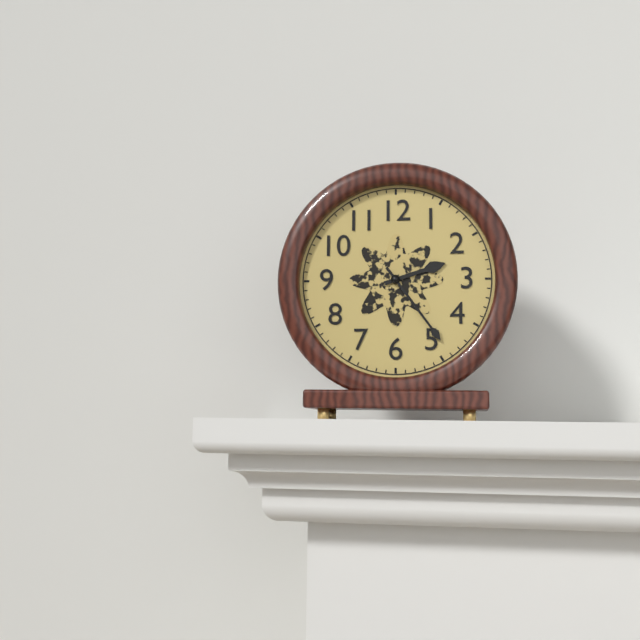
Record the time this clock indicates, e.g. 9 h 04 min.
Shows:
2 h 24 min
